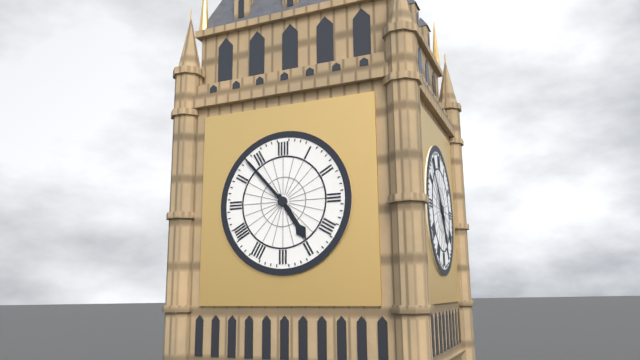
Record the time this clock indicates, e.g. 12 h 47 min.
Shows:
4 h 53 min
